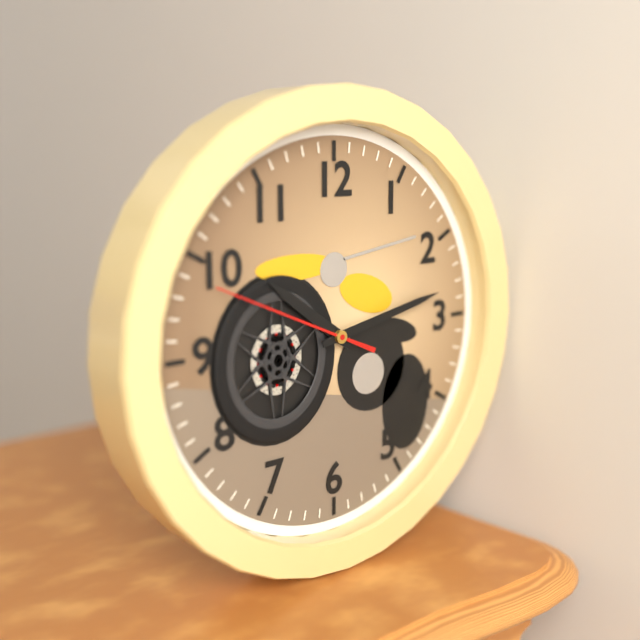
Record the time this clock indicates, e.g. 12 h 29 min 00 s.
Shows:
10 h 13 min 49 s
